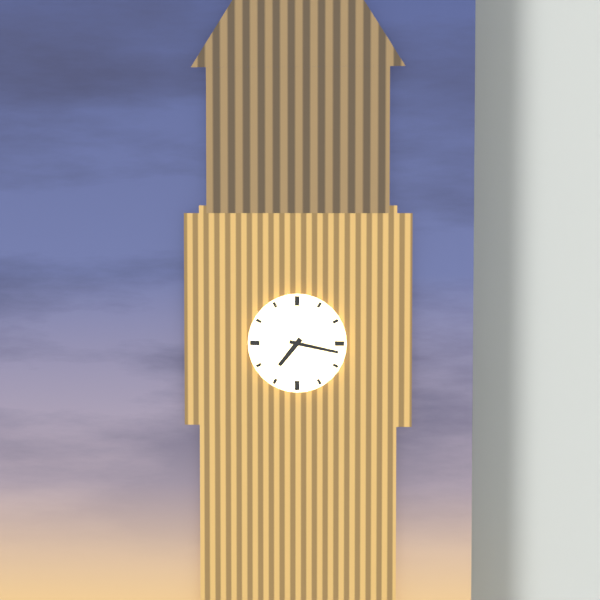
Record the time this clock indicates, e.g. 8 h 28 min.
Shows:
7 h 17 min
